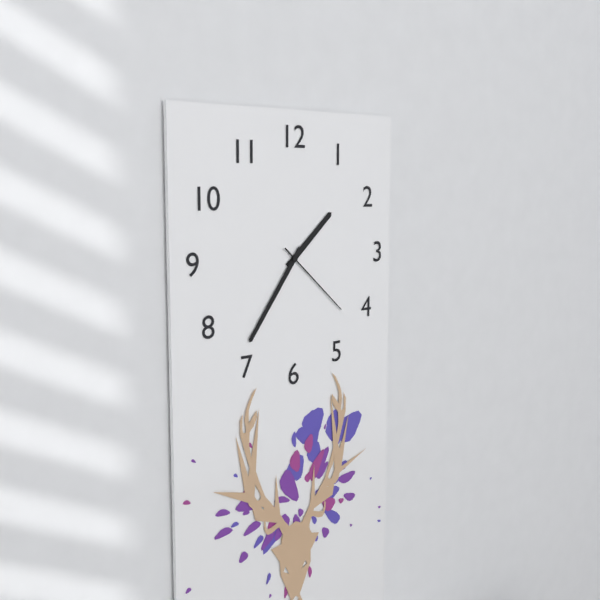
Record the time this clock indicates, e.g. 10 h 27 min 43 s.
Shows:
1 h 36 min 22 s
